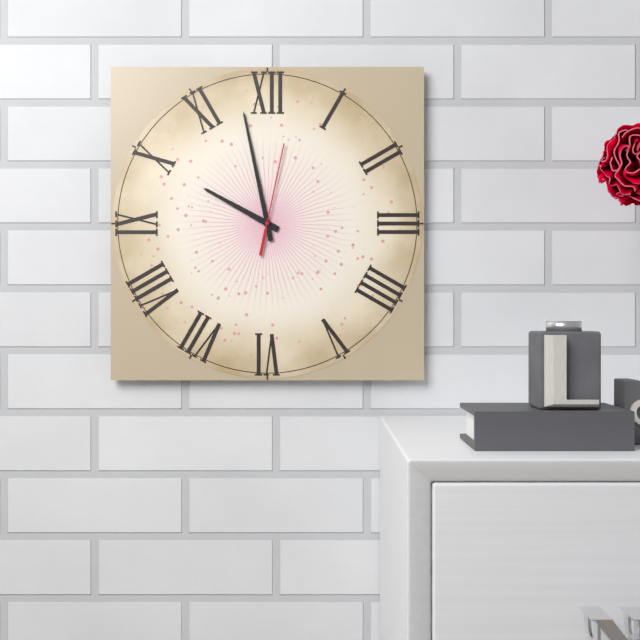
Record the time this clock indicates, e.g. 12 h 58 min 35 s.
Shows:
9 h 58 min 02 s
